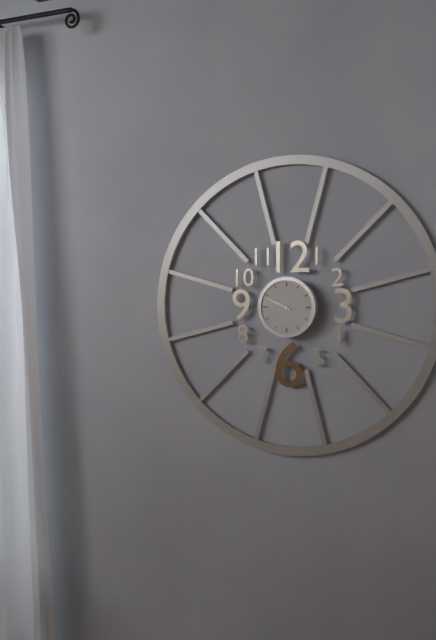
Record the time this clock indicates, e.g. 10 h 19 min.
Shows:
9 h 49 min
